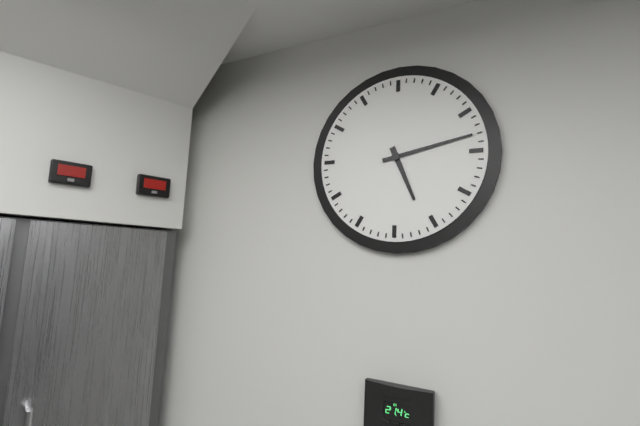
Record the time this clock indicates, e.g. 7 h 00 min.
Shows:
5 h 13 min
